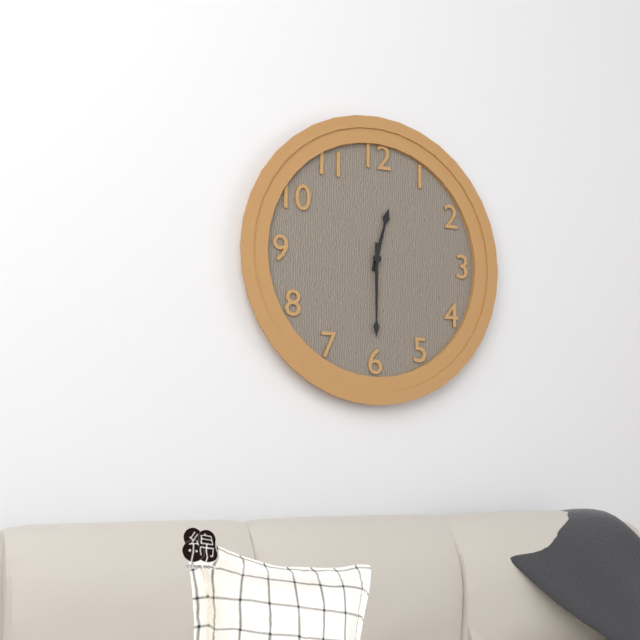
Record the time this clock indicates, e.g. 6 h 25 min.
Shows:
12 h 30 min
